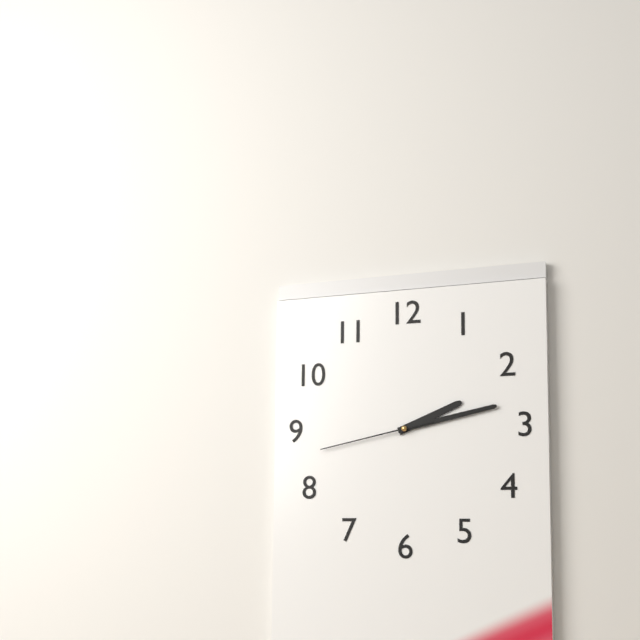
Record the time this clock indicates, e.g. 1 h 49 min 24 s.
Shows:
2 h 13 min 43 s
